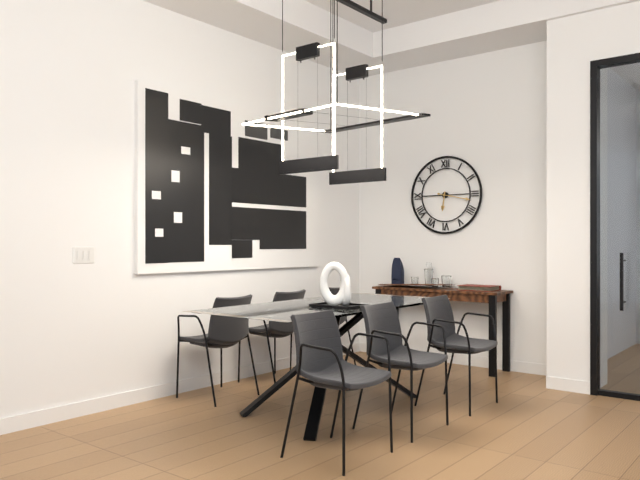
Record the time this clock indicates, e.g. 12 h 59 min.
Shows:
6 h 17 min
